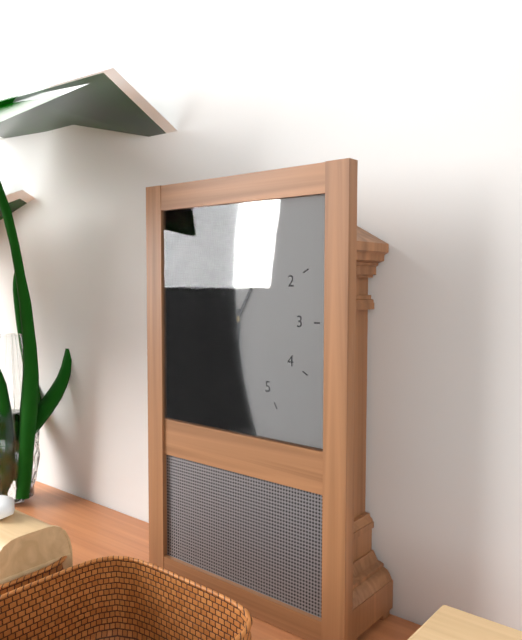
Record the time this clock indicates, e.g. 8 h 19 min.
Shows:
6 h 05 min
